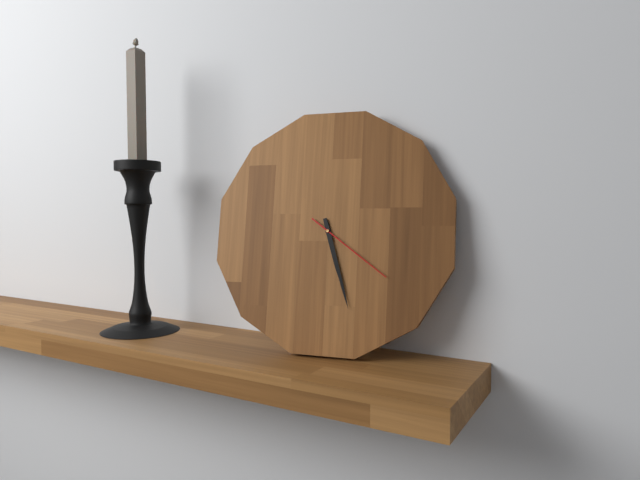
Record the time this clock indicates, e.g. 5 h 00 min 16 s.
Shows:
5 h 27 min 21 s
